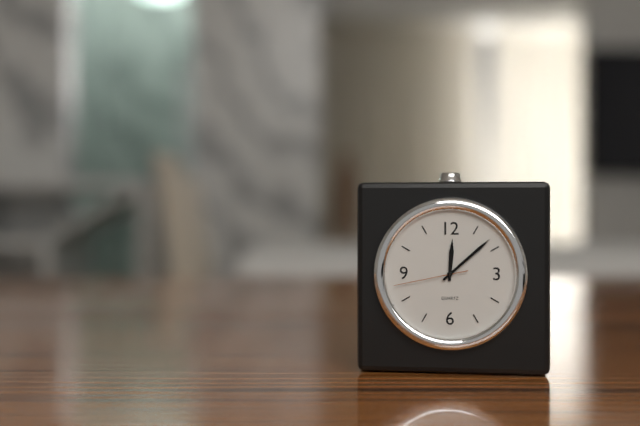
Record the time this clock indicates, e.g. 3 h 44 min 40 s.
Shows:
12 h 08 min 43 s
